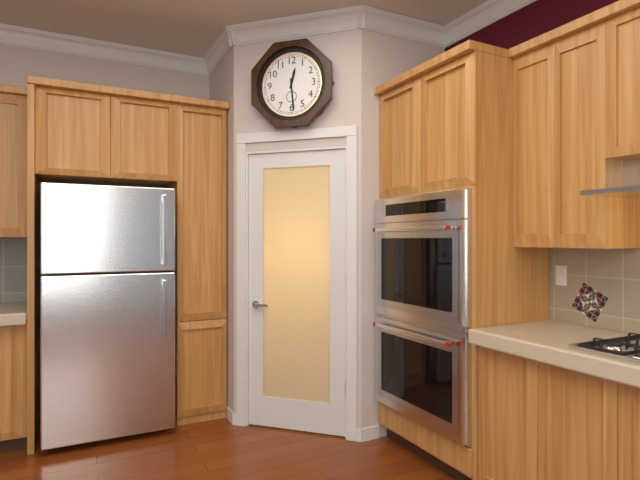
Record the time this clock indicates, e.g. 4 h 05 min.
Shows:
12 h 29 min
